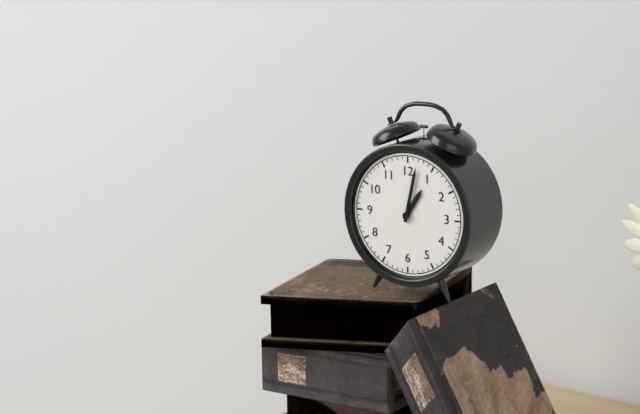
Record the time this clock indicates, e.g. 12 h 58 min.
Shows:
1 h 02 min
